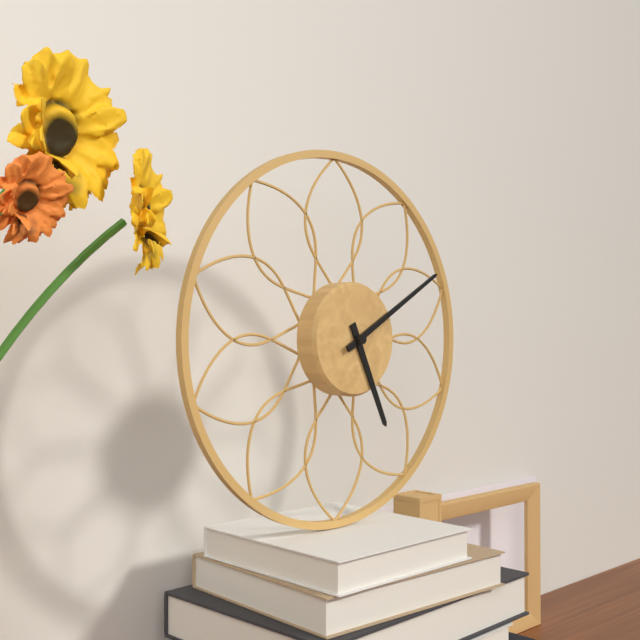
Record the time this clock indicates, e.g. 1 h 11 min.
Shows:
5 h 10 min
